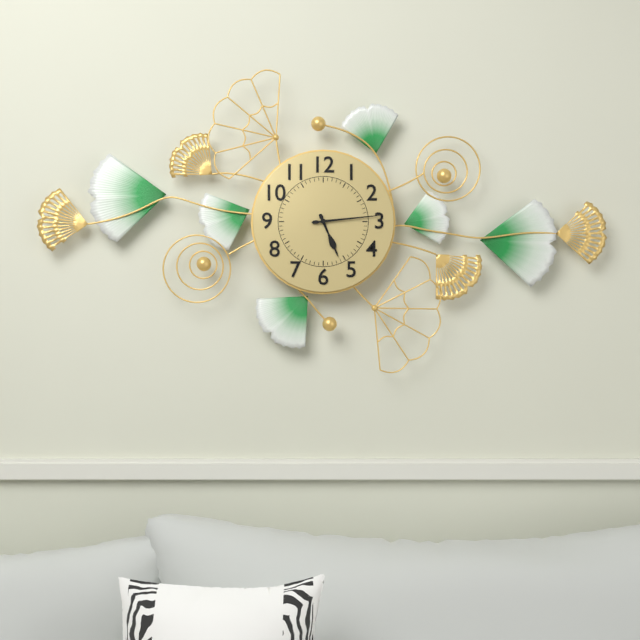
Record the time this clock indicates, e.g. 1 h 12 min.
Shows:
5 h 14 min
